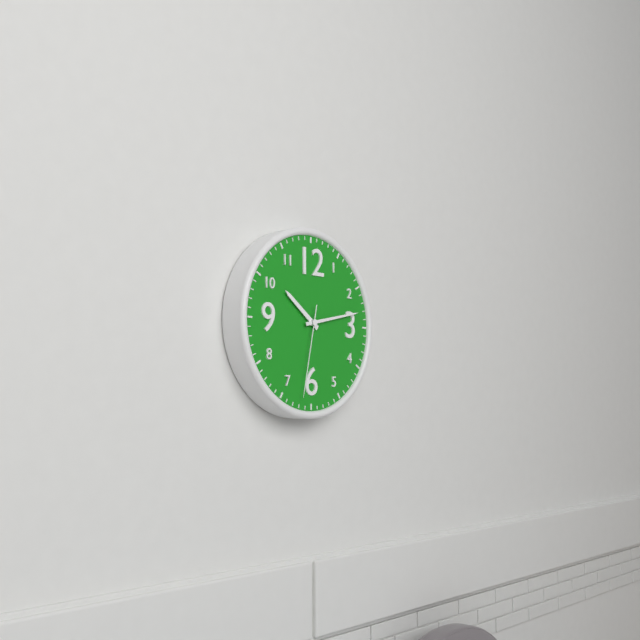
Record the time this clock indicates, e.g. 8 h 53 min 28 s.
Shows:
10 h 13 min 32 s
